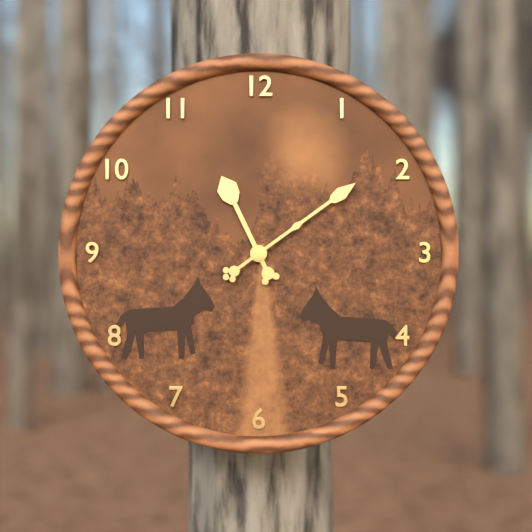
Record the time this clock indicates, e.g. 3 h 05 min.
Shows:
11 h 09 min
